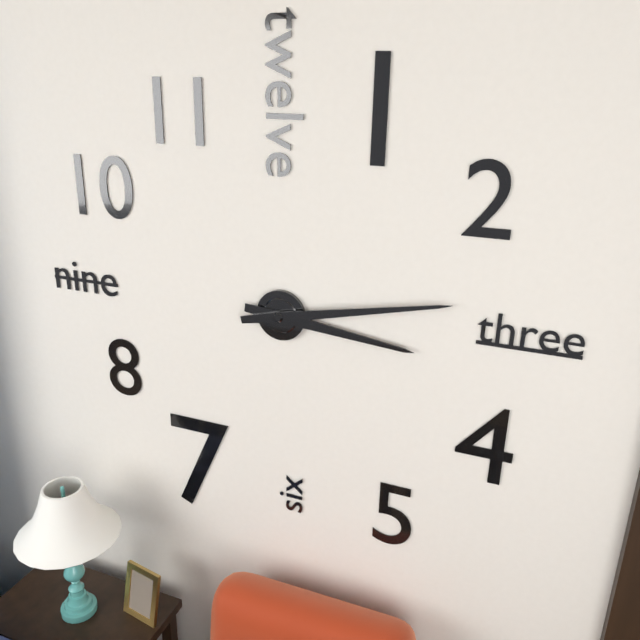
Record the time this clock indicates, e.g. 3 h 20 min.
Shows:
3 h 13 min
